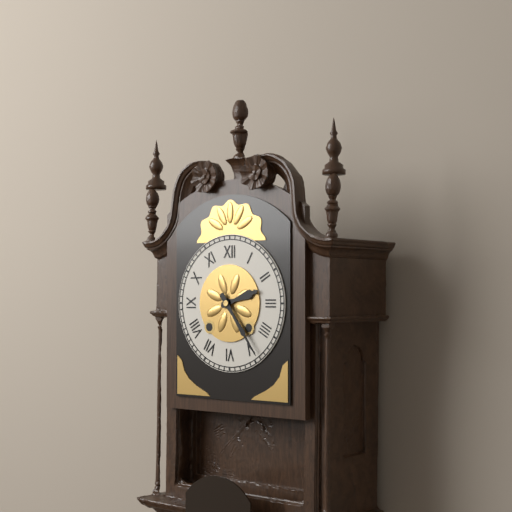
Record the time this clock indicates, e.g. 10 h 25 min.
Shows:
2 h 24 min
